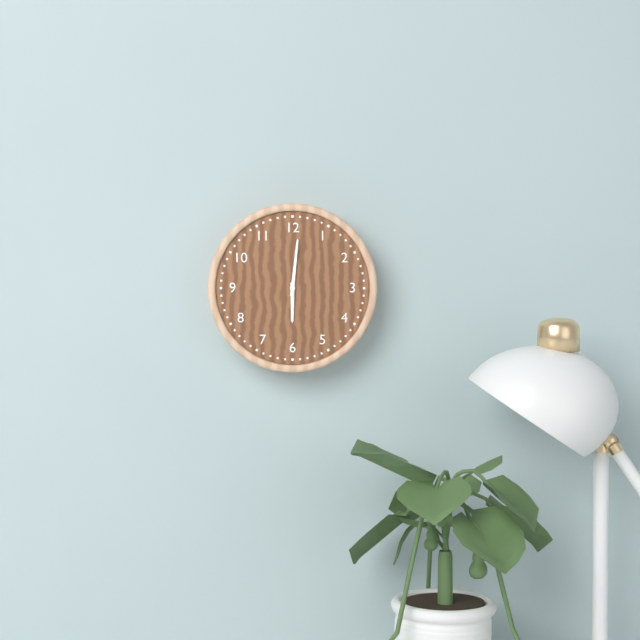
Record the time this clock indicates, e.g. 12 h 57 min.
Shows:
6 h 01 min
